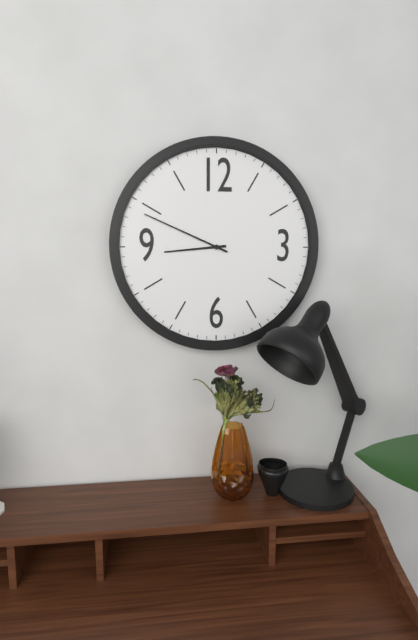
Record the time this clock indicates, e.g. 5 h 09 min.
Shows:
8 h 49 min
